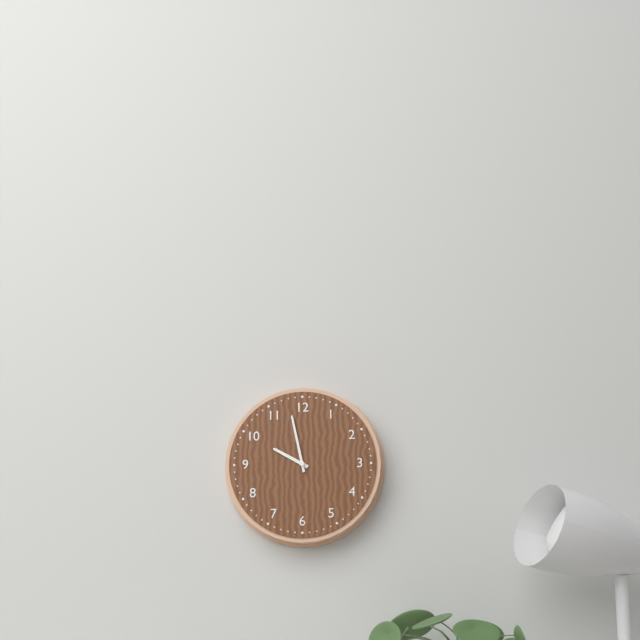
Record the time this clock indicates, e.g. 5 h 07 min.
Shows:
9 h 58 min
